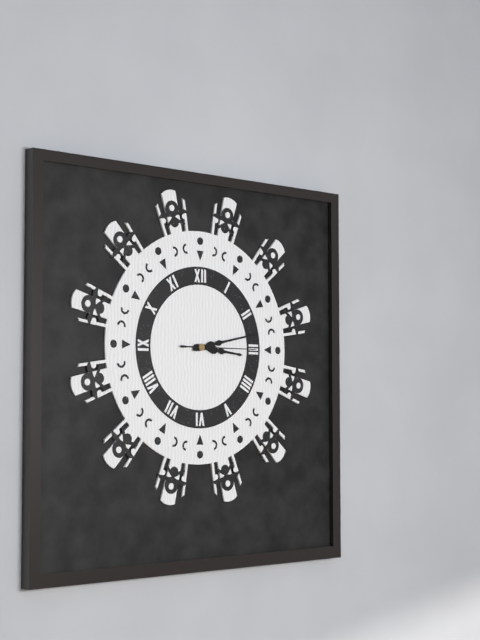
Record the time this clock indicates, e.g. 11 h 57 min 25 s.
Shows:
3 h 13 min 15 s
